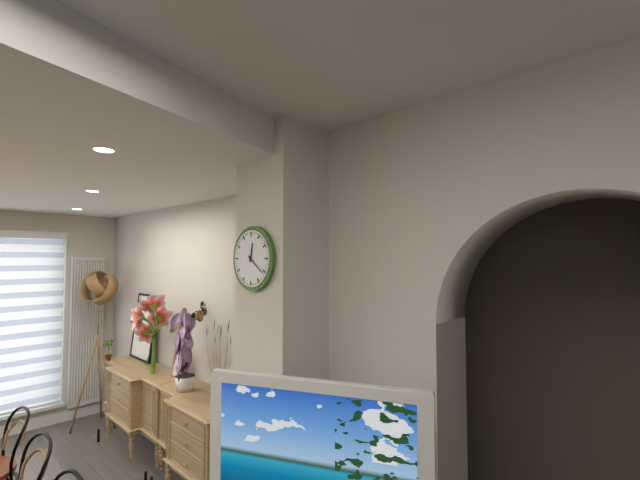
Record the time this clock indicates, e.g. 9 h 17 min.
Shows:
12 h 21 min
